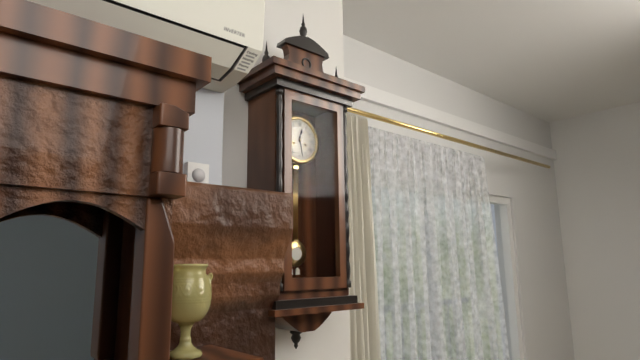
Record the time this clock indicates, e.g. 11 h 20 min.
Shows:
12 h 28 min
